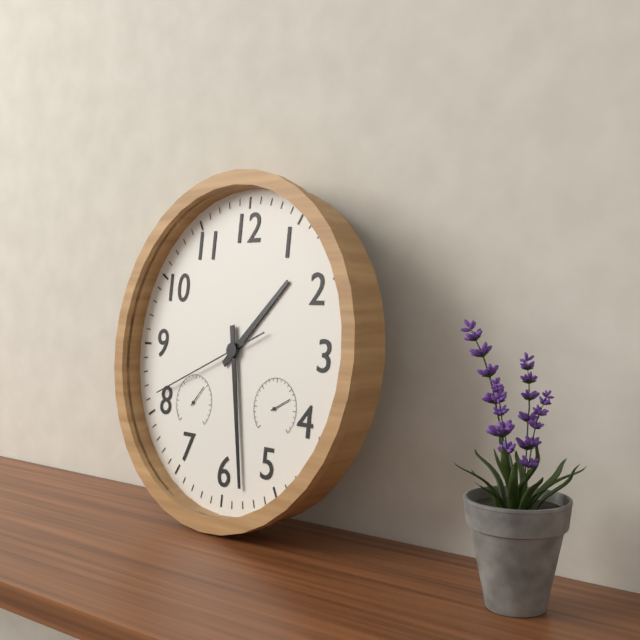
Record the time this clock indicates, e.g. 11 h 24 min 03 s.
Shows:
1 h 28 min 41 s
